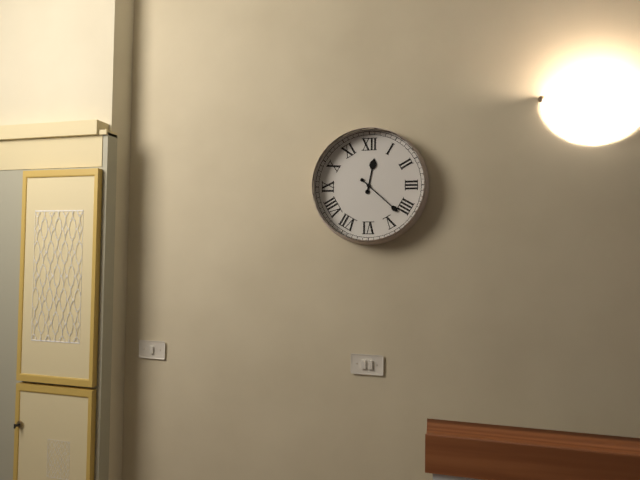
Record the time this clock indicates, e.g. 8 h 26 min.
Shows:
12 h 22 min
